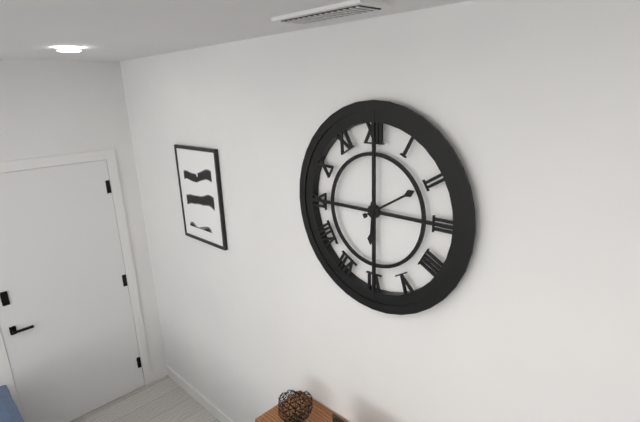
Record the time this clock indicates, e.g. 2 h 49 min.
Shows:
6 h 10 min
